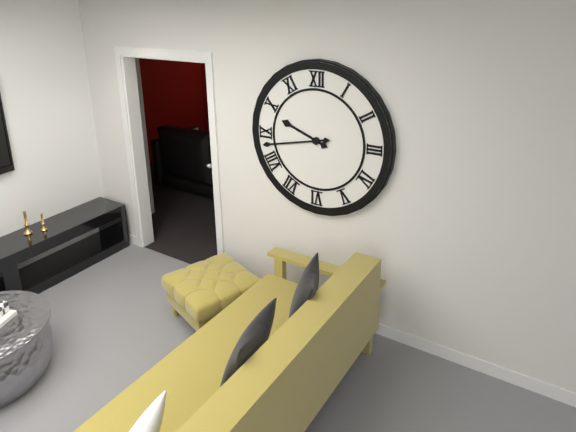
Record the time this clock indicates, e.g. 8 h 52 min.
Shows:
9 h 43 min
